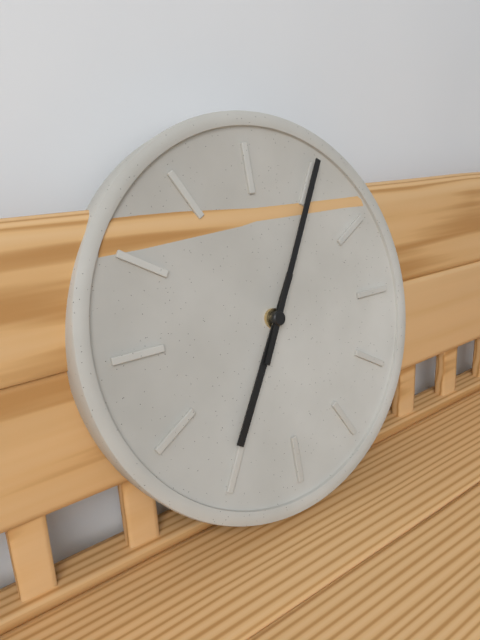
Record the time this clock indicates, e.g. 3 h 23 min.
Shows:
7 h 05 min
